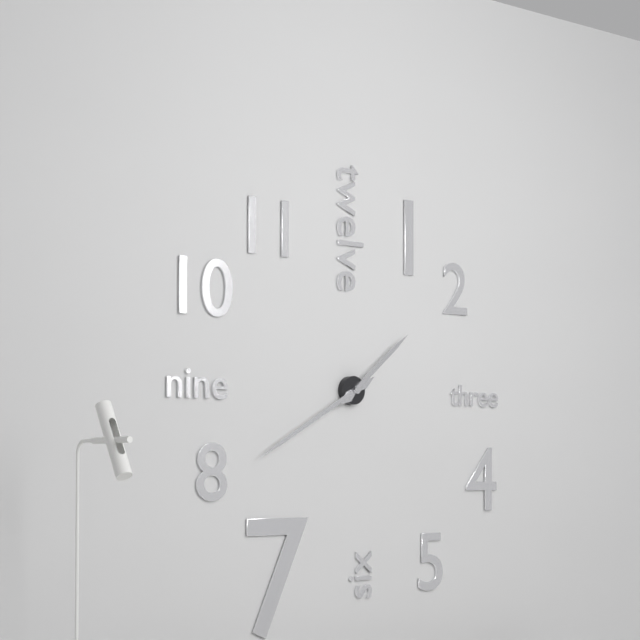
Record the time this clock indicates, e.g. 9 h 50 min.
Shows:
1 h 40 min
